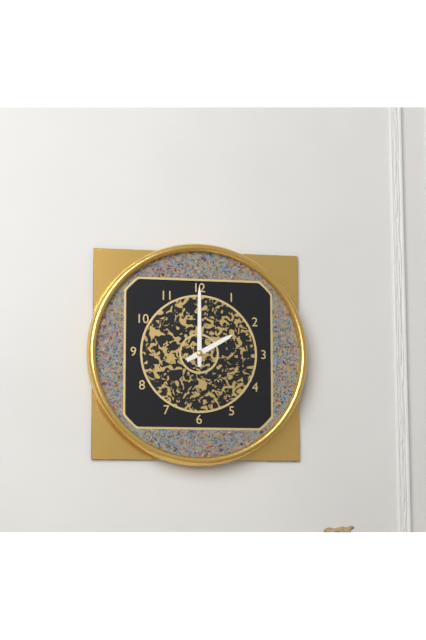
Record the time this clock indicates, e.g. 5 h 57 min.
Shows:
2 h 00 min
